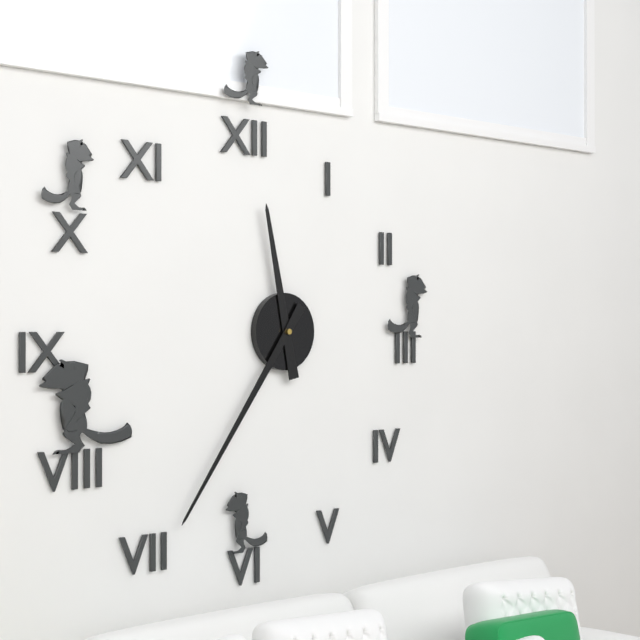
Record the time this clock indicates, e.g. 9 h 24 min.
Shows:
11 h 36 min
